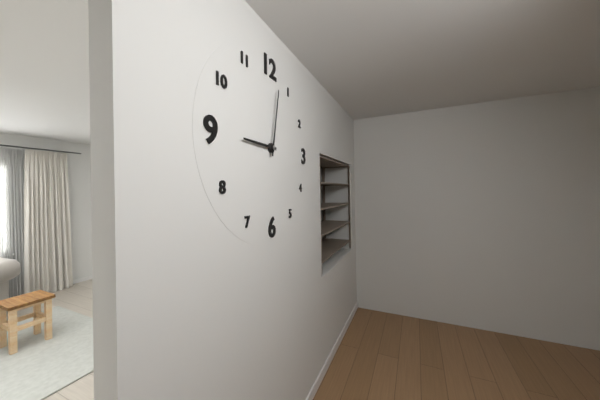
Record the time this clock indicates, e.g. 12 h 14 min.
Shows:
9 h 02 min
